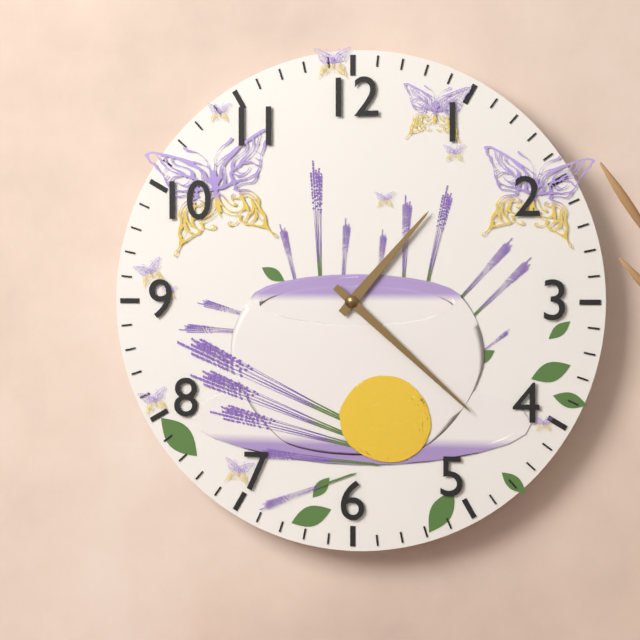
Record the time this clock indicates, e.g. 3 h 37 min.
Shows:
1 h 22 min
